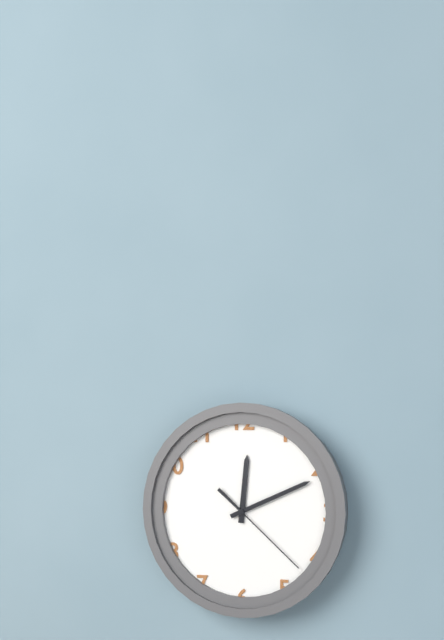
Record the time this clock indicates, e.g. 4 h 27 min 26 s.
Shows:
12 h 11 min 22 s
